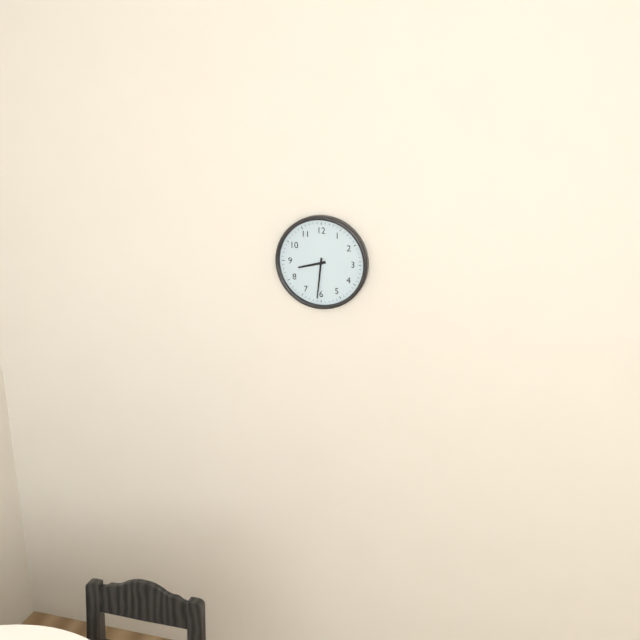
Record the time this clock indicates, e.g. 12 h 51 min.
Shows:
8 h 31 min
